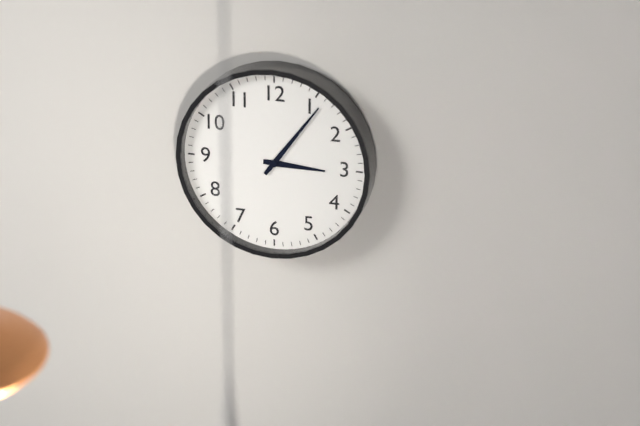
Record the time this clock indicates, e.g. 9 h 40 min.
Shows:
3 h 06 min
